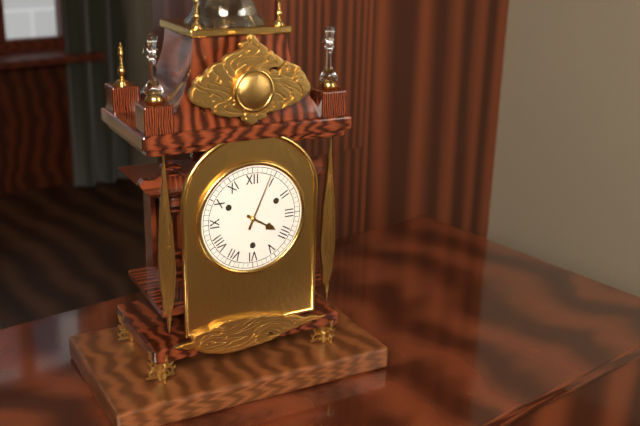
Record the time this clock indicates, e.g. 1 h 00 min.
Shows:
4 h 04 min
